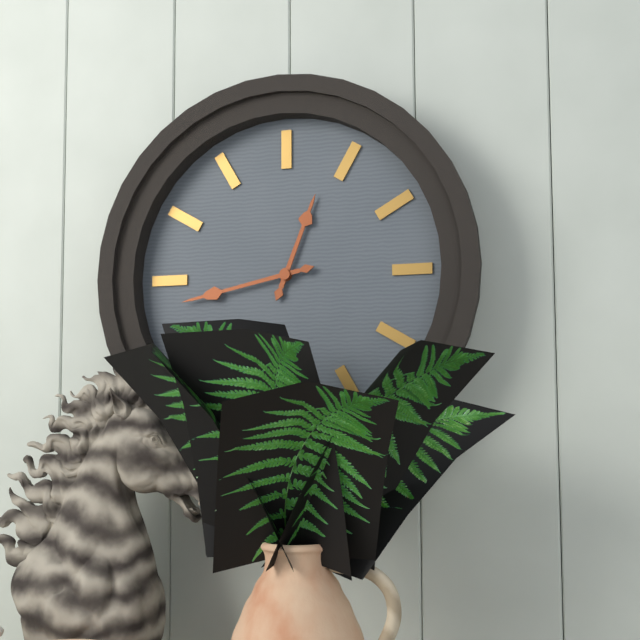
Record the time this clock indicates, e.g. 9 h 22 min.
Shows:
12 h 43 min
